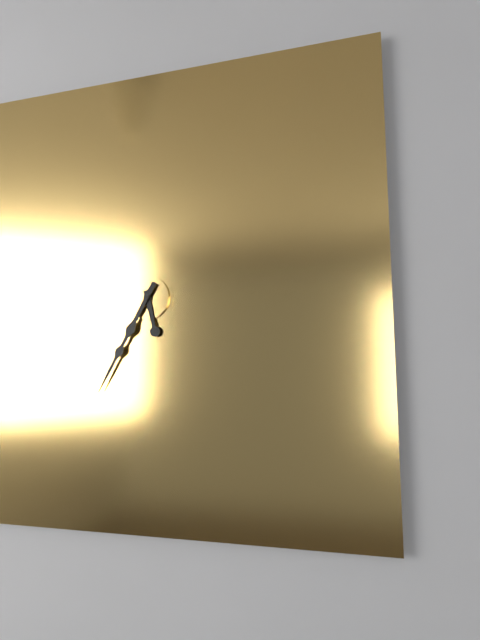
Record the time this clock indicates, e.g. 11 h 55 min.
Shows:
5 h 35 min
